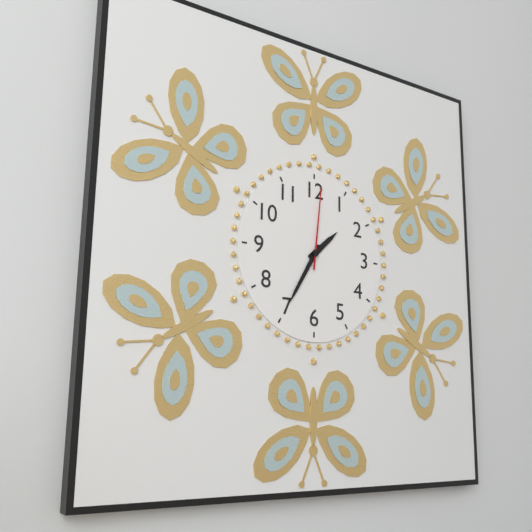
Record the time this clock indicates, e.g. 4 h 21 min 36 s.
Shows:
1 h 35 min 01 s
